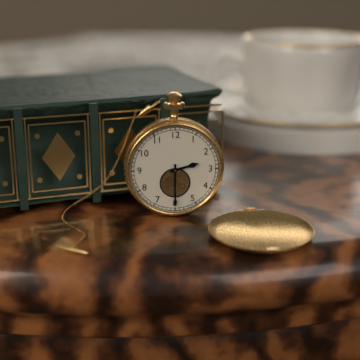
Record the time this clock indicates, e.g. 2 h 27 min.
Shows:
2 h 30 min
